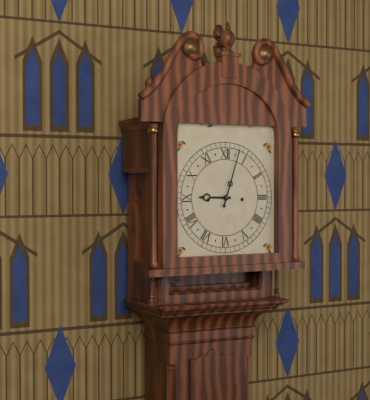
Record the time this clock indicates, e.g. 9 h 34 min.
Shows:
9 h 03 min
